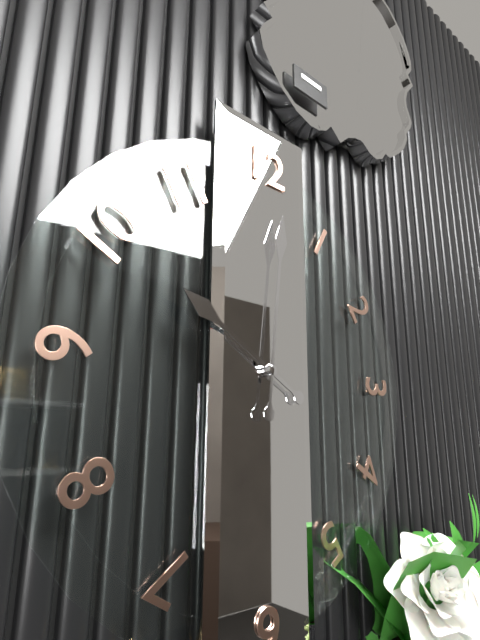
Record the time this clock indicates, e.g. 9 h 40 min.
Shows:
10 h 01 min
